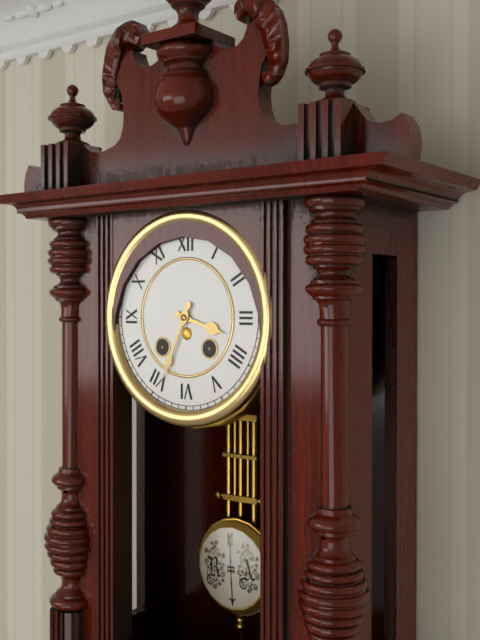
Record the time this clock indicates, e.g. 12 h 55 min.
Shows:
3 h 34 min
